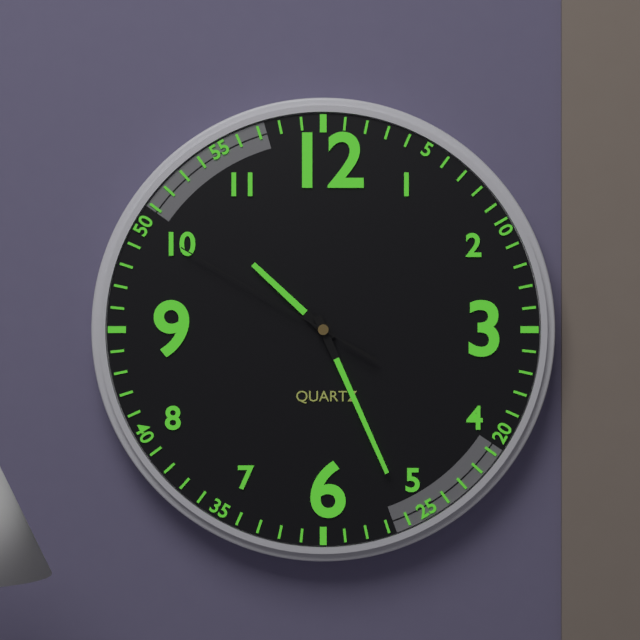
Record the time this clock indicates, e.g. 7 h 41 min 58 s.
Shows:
10 h 26 min 50 s
